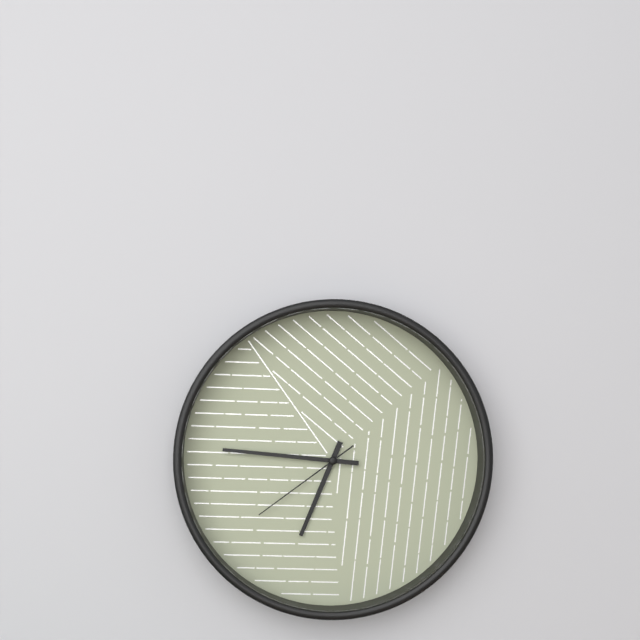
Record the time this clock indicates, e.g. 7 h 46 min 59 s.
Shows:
6 h 46 min 39 s
